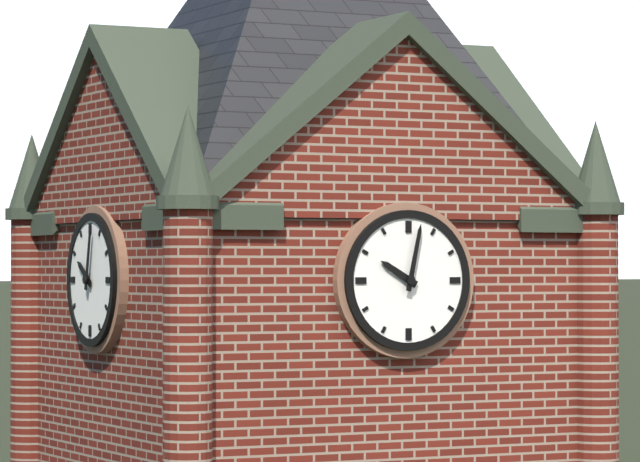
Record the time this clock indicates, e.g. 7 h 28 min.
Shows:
10 h 02 min
